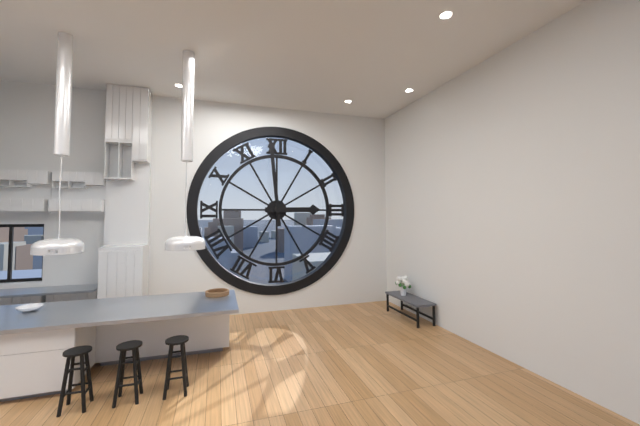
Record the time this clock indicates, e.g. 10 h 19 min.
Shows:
2 h 59 min
